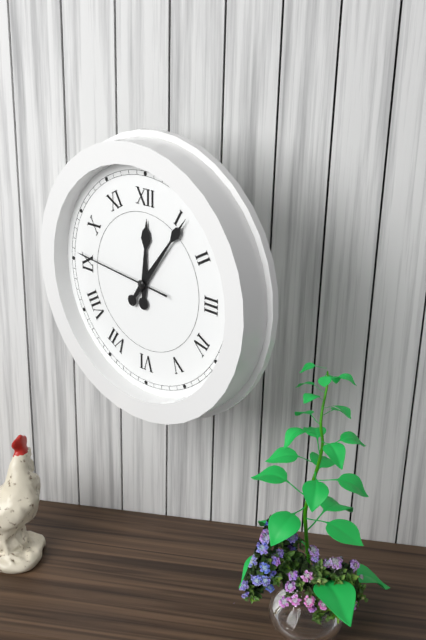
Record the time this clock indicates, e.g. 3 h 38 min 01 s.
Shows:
12 h 06 min 46 s
